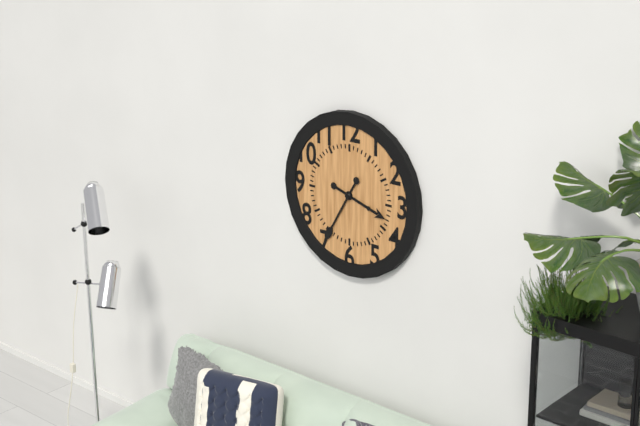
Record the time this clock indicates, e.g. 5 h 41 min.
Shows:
3 h 35 min
